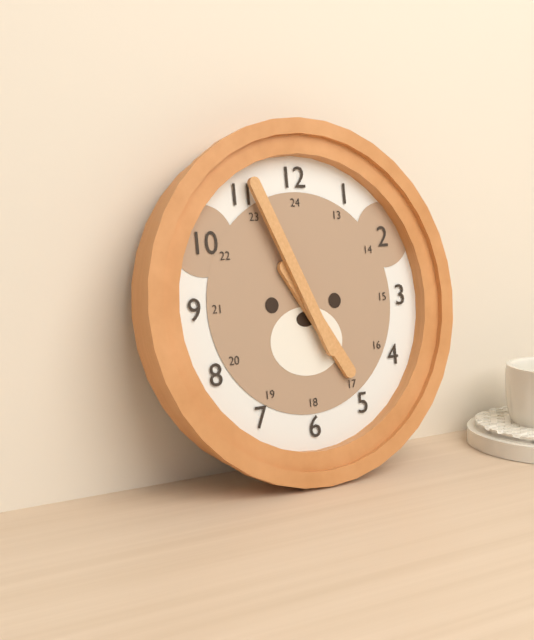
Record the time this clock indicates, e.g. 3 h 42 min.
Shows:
4 h 56 min
